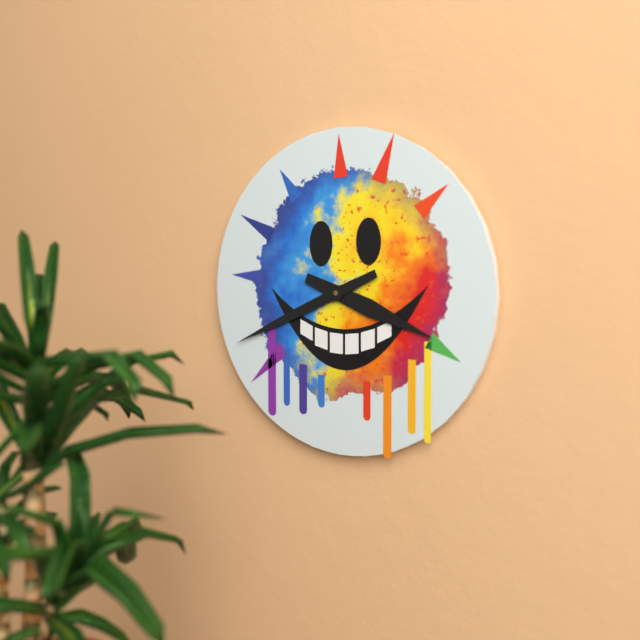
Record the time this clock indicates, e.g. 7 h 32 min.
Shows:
3 h 41 min
